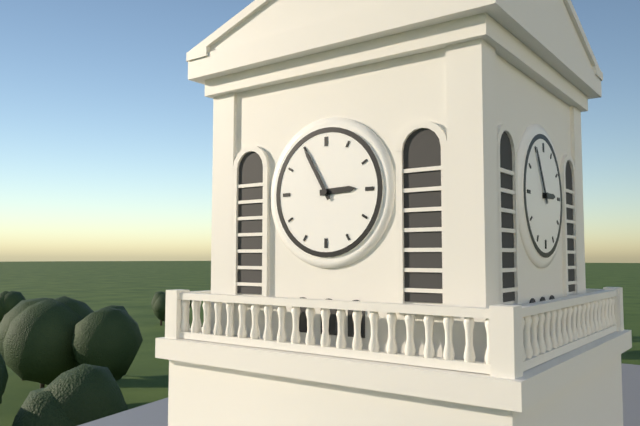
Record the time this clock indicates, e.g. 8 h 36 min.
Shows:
2 h 55 min
